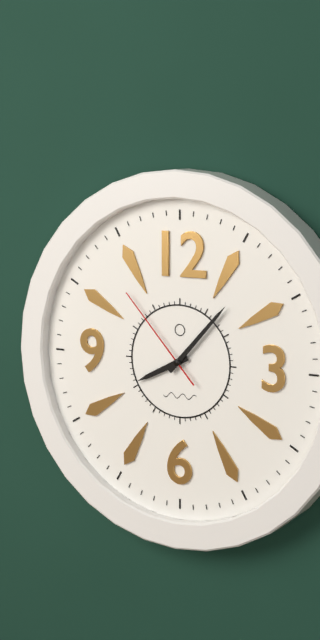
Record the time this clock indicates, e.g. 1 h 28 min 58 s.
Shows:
8 h 07 min 53 s
